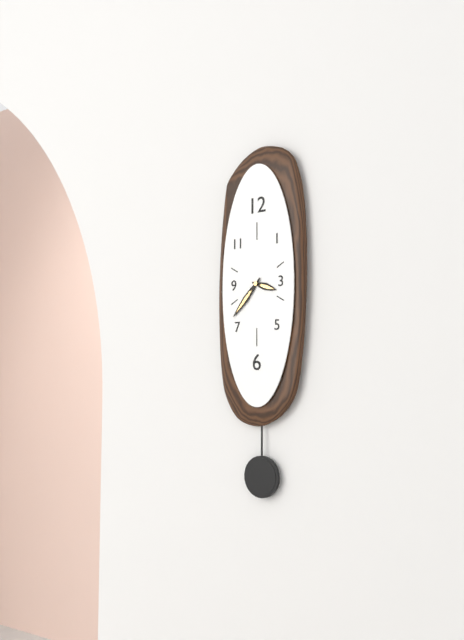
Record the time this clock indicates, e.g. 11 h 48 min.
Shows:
3 h 37 min
